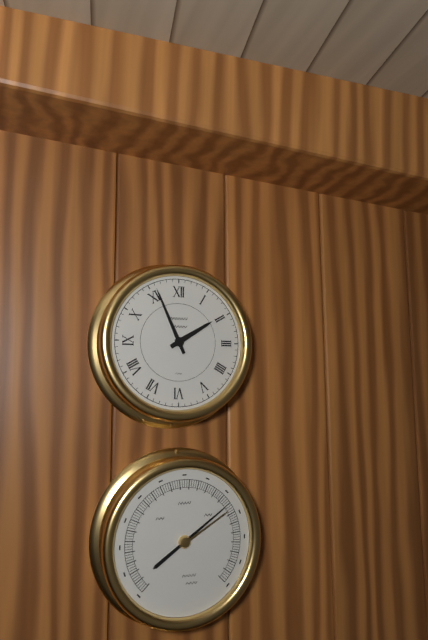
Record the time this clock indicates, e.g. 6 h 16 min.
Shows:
1 h 56 min
